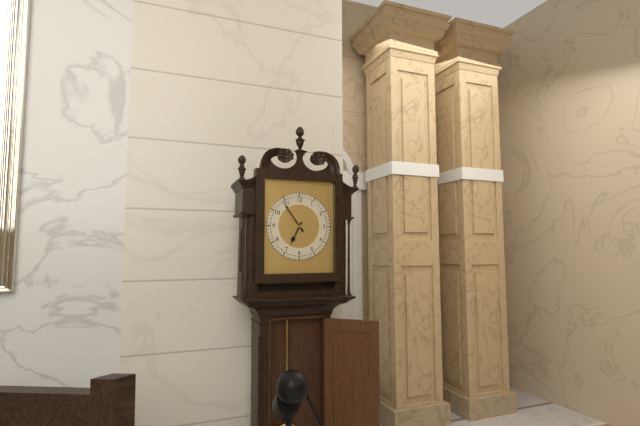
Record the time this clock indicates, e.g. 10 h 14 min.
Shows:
6 h 54 min
